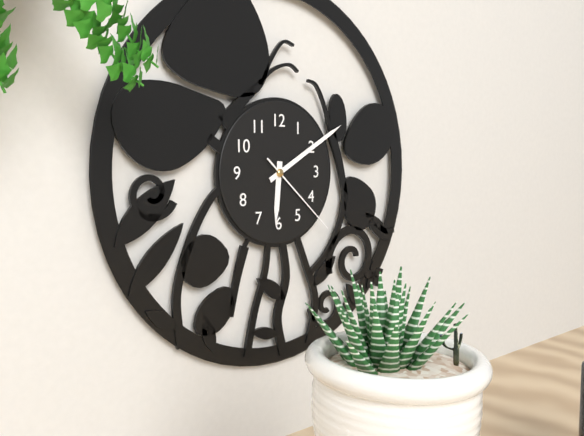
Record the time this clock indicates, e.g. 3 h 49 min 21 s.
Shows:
6 h 10 min 22 s
